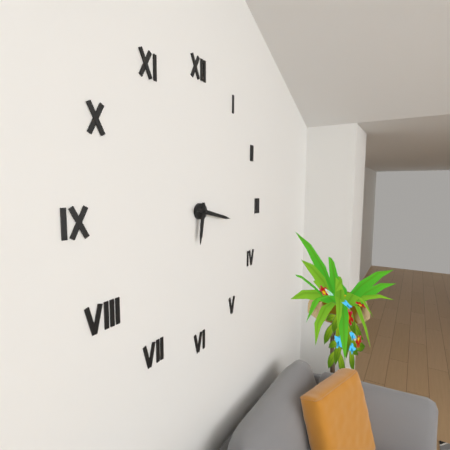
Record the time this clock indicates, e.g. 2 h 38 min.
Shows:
6 h 17 min
